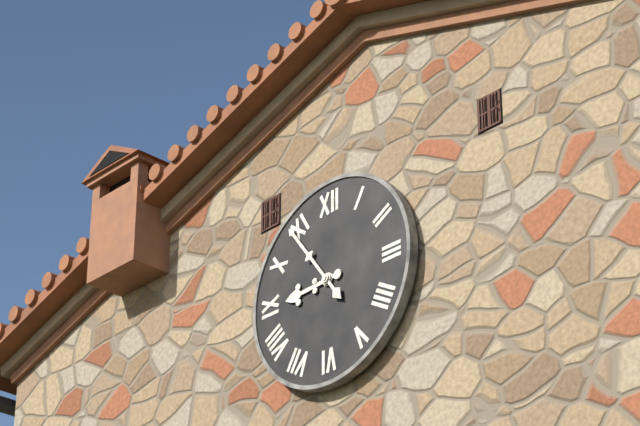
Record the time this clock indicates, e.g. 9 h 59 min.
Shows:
8 h 54 min
